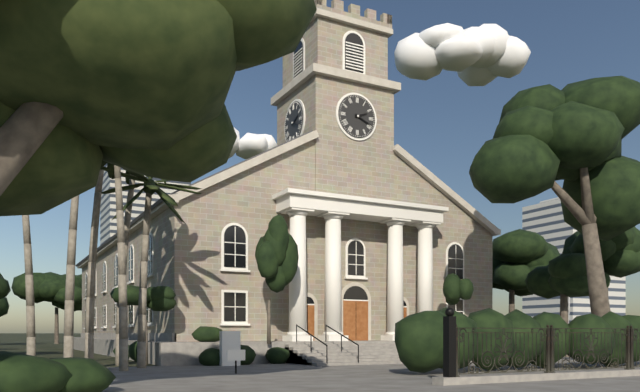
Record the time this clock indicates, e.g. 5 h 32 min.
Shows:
2 h 19 min
